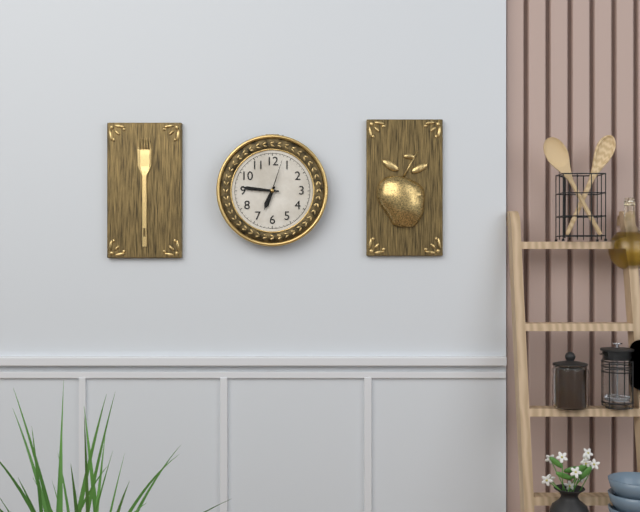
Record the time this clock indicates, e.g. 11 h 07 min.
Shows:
6 h 46 min
